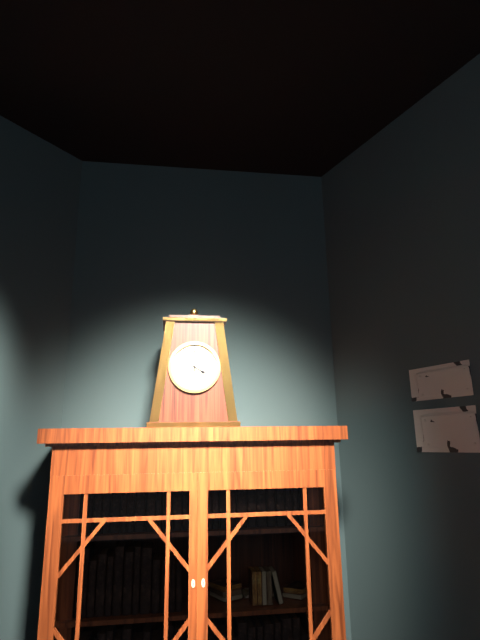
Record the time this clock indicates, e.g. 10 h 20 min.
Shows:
4 h 00 min
